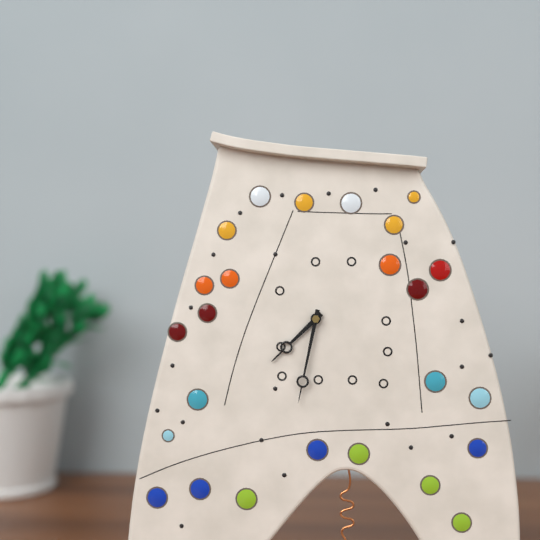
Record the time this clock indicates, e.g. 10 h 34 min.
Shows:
7 h 32 min
